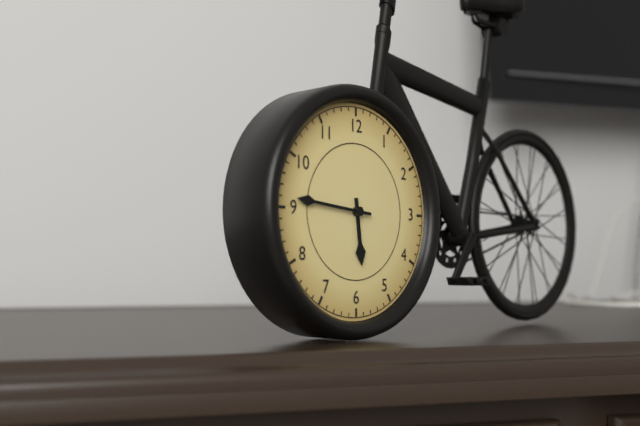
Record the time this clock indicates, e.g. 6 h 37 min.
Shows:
5 h 46 min
